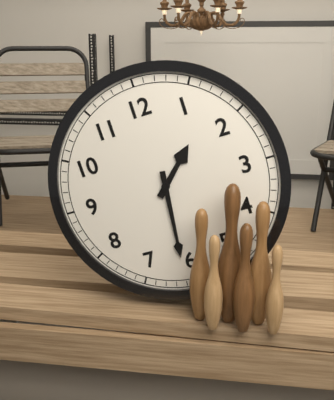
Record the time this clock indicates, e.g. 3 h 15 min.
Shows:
1 h 31 min
